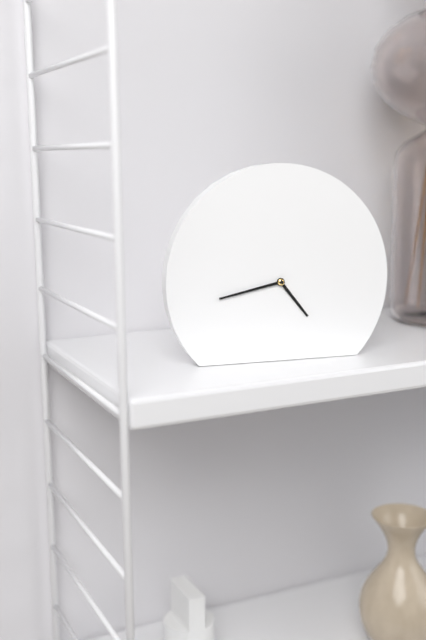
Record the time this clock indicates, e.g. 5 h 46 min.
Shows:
4 h 43 min
